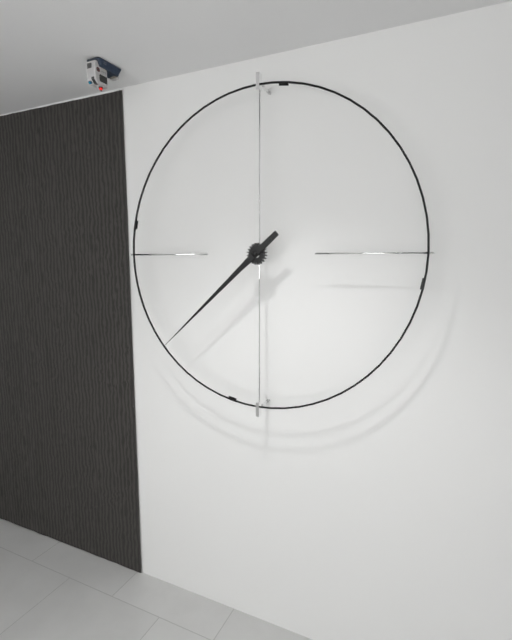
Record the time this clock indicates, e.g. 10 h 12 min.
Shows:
7 h 38 min
